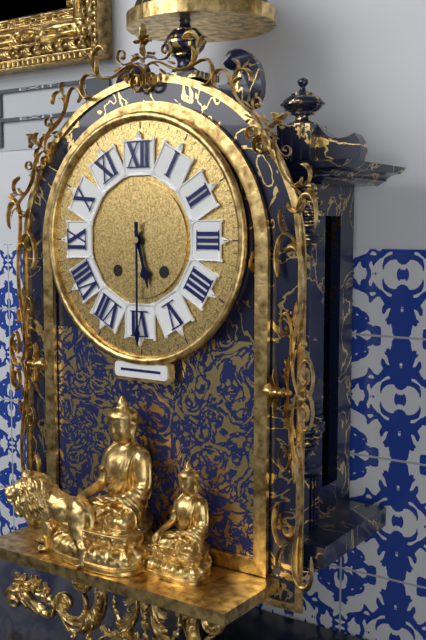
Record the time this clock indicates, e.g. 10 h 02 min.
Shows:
5 h 30 min
